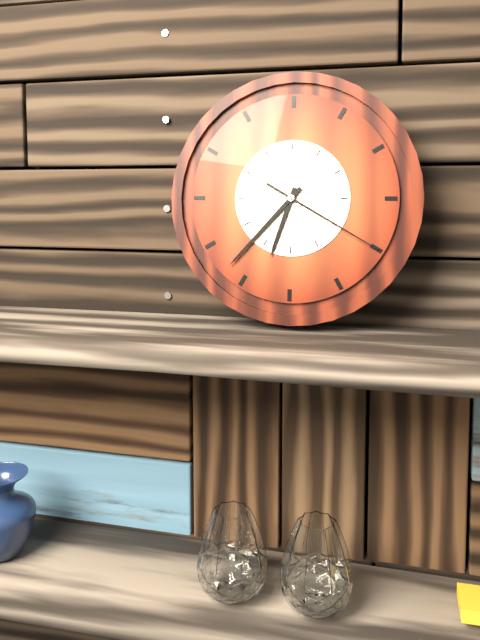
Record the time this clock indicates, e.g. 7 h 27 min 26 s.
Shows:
6 h 37 min 20 s
